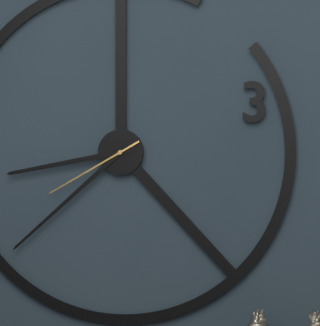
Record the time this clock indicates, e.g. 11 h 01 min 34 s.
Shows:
8 h 38 min 40 s
